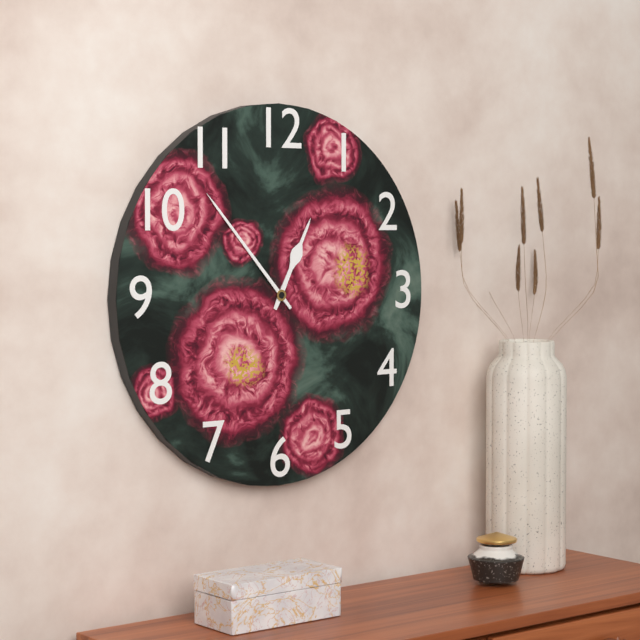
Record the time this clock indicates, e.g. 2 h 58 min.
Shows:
12 h 53 min
